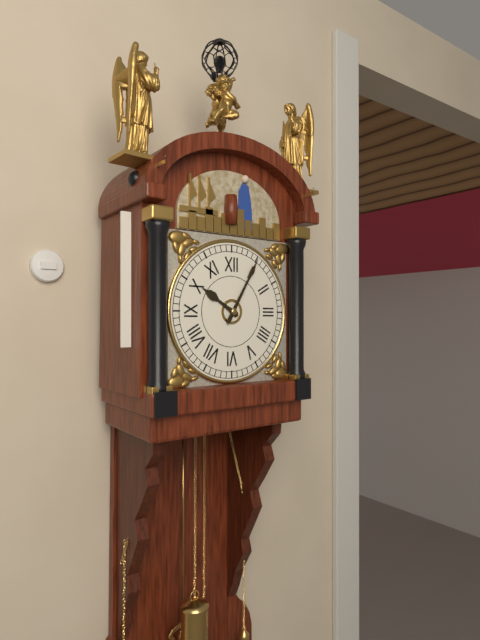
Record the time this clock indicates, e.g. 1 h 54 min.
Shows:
10 h 05 min
